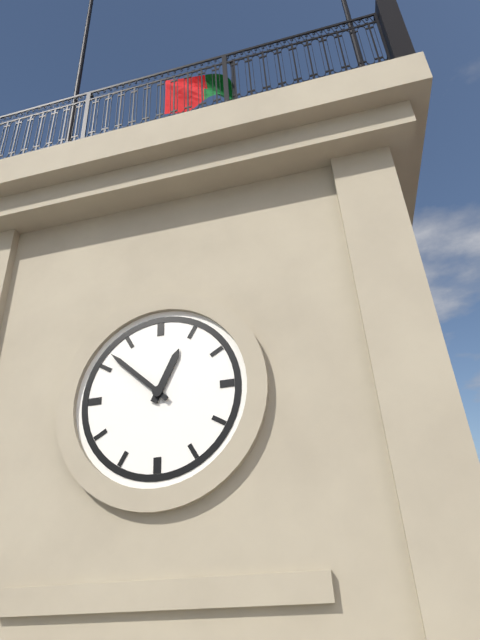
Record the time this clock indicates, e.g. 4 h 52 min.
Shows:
12 h 52 min
